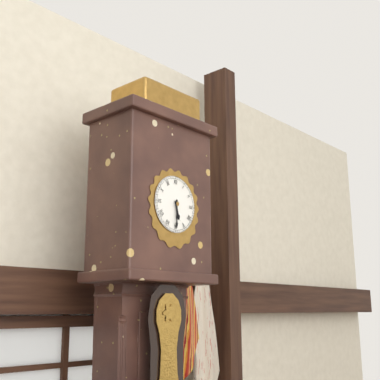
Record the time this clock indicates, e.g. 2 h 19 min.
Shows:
5 h 30 min
